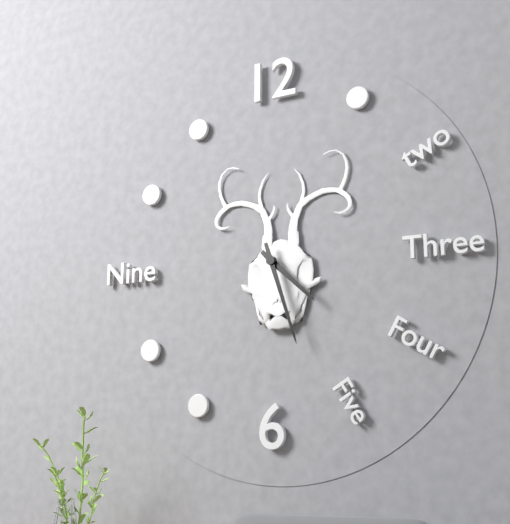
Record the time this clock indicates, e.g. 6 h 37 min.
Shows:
4 h 27 min
